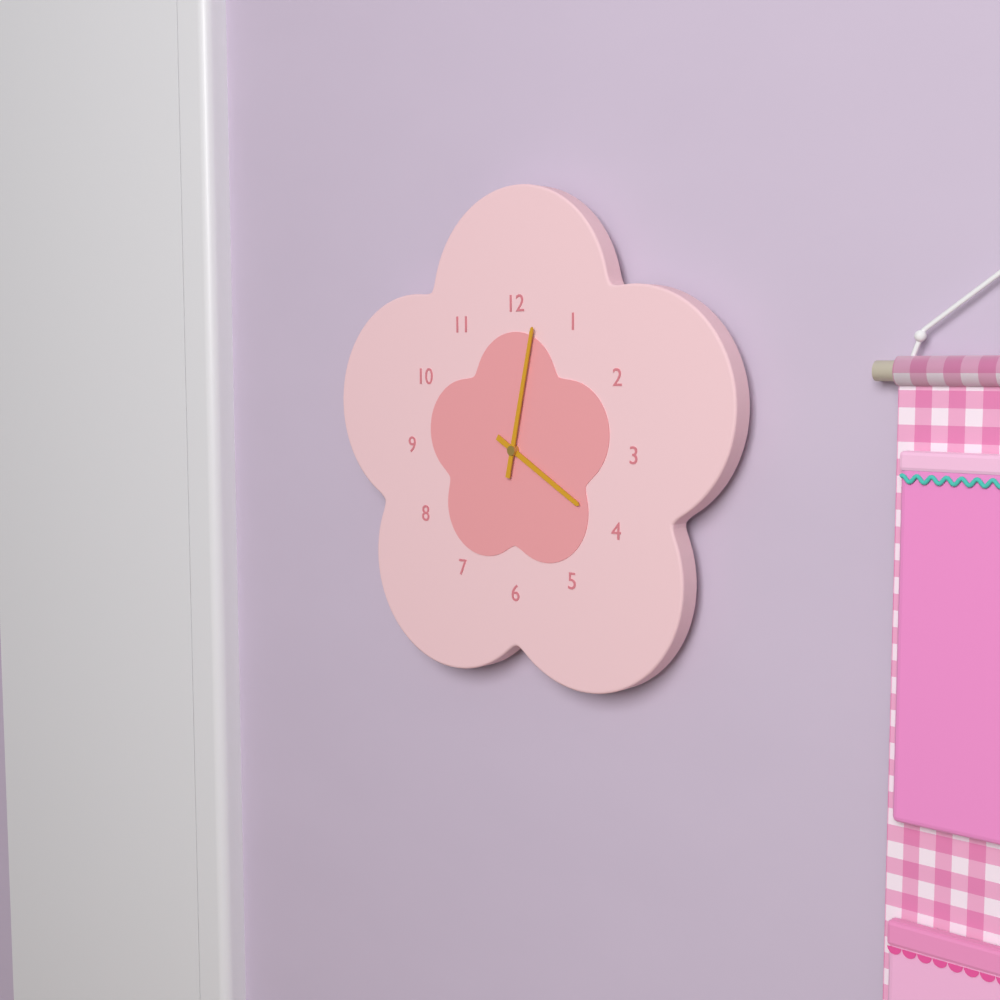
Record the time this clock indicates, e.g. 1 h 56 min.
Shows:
4 h 02 min
